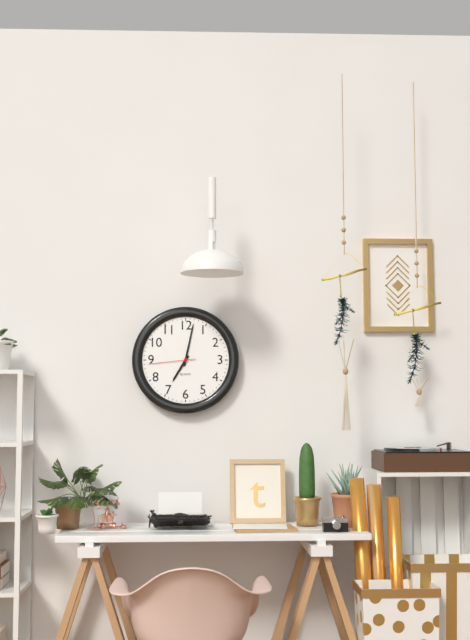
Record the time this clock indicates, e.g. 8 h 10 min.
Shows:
7 h 02 min
